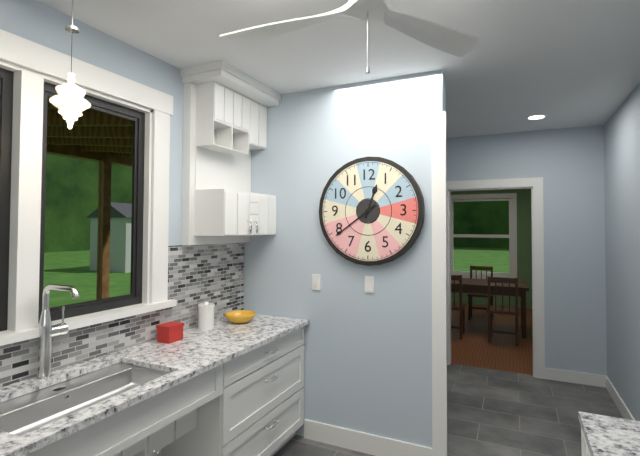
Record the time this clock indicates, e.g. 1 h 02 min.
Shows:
12 h 39 min
